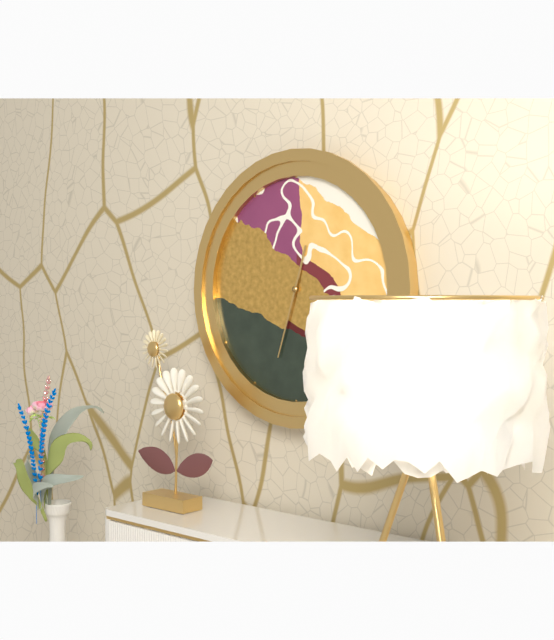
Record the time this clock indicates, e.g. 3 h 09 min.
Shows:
12 h 33 min
